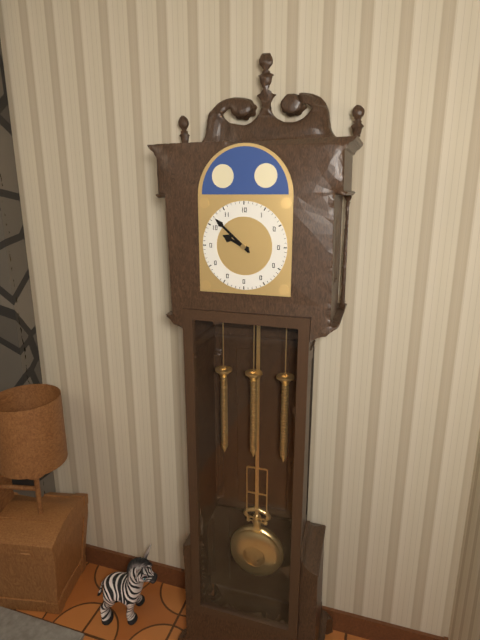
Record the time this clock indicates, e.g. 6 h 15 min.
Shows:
9 h 52 min
